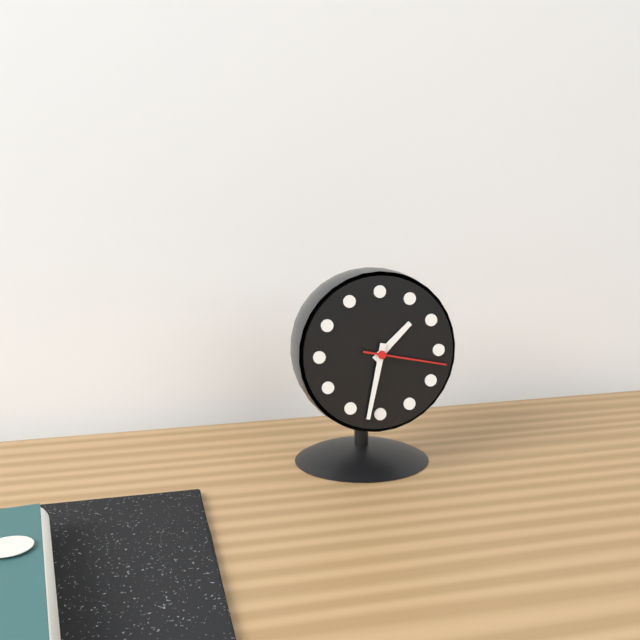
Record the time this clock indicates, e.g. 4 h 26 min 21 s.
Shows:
1 h 32 min 17 s
